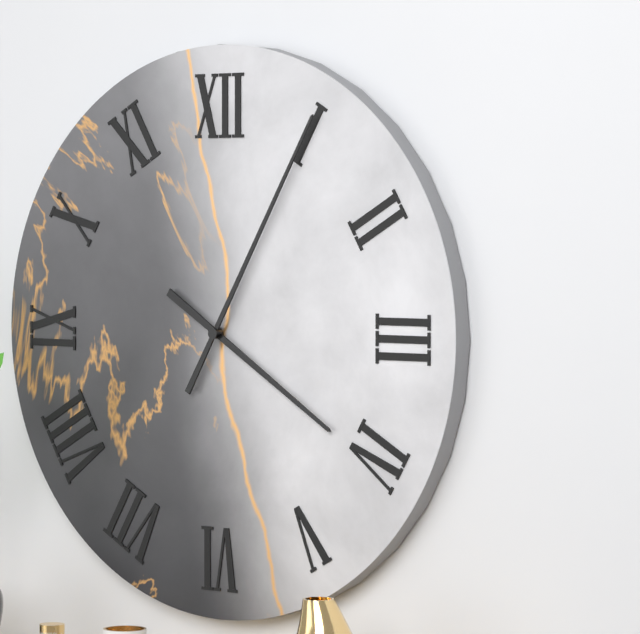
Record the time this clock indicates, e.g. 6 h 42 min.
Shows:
4 h 05 min
